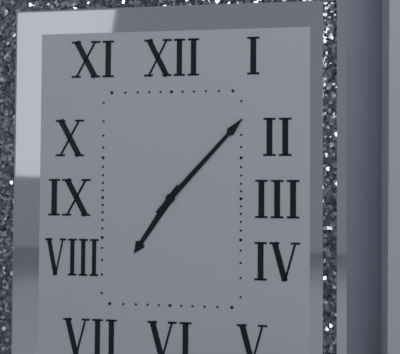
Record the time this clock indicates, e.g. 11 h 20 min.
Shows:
7 h 07 min
